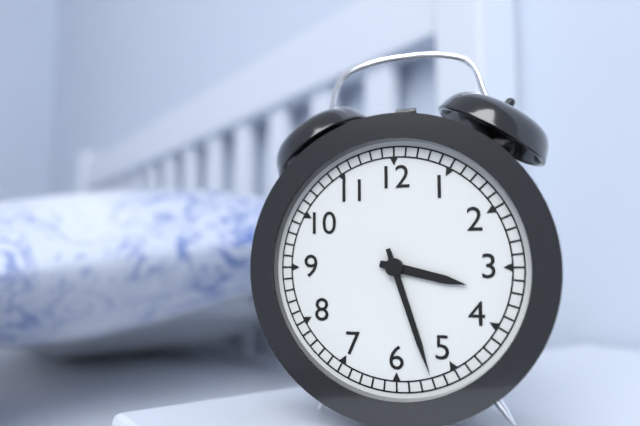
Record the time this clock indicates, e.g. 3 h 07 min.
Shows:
3 h 27 min
